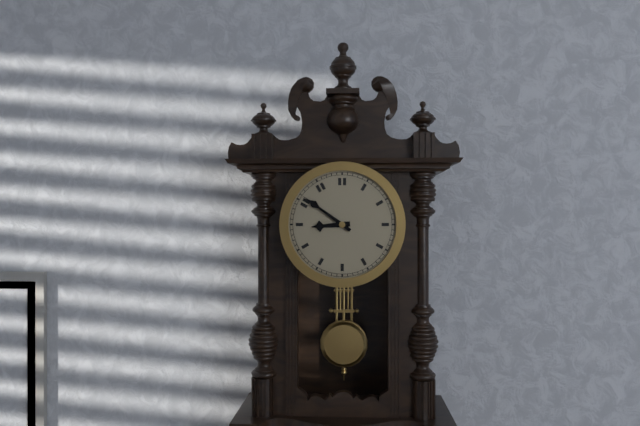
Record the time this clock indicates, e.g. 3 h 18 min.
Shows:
8 h 51 min
